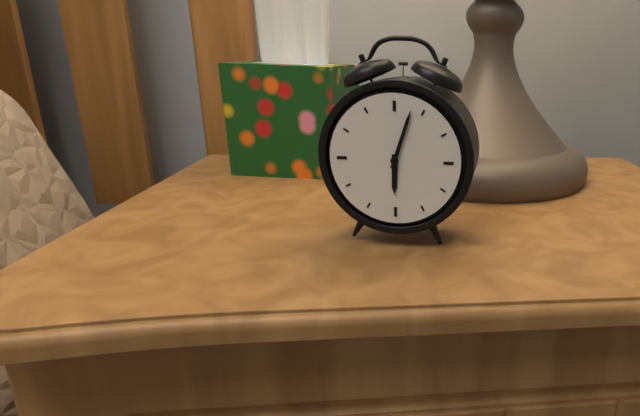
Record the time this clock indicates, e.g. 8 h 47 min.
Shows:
6 h 03 min
